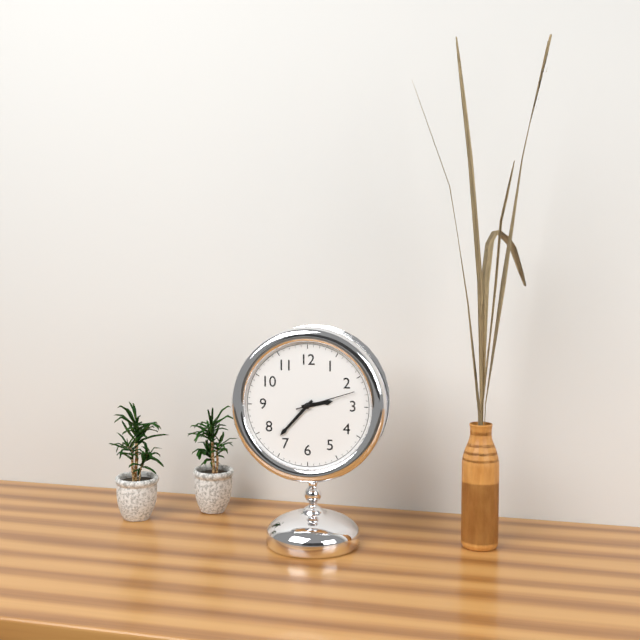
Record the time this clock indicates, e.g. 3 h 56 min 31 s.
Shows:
2 h 37 min 12 s
